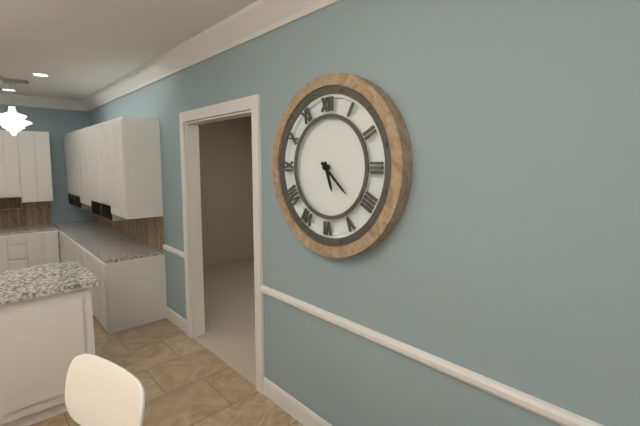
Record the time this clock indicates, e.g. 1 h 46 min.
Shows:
5 h 22 min
